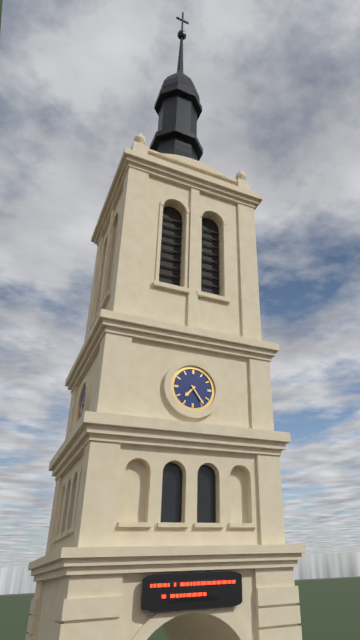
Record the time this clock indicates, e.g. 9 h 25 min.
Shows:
7 h 24 min
